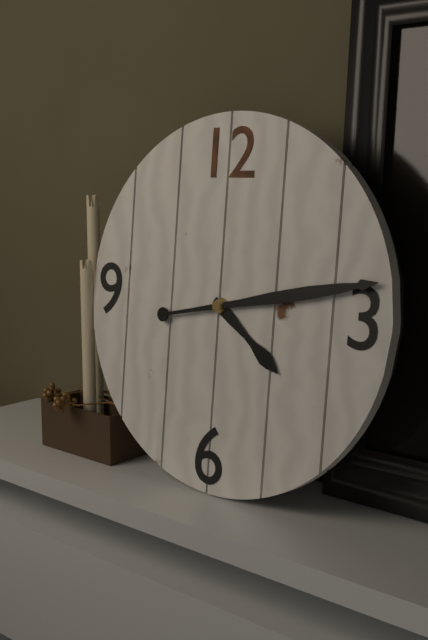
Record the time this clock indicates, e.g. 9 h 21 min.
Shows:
4 h 13 min
